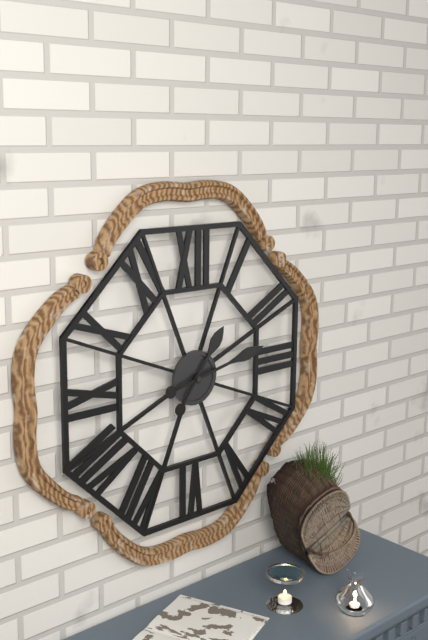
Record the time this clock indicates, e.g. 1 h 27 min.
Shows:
1 h 13 min
